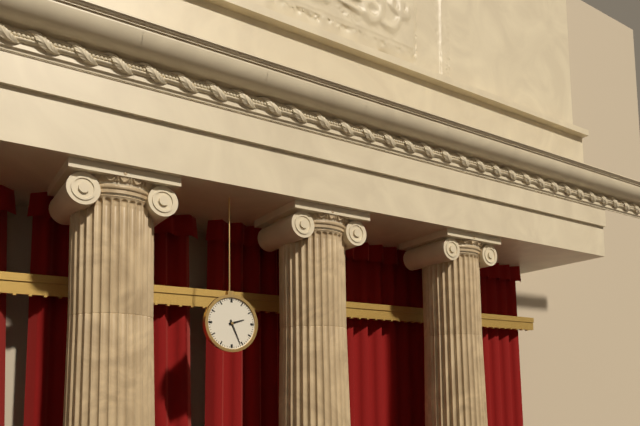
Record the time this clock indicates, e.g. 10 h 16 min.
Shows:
2 h 26 min
